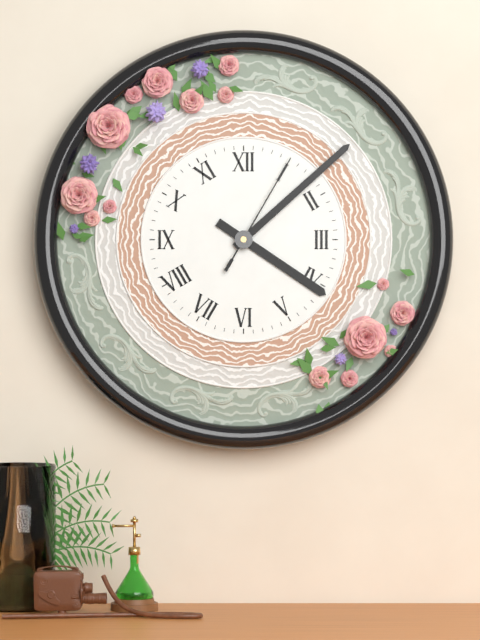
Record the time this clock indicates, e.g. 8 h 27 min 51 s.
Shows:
4 h 08 min 05 s
